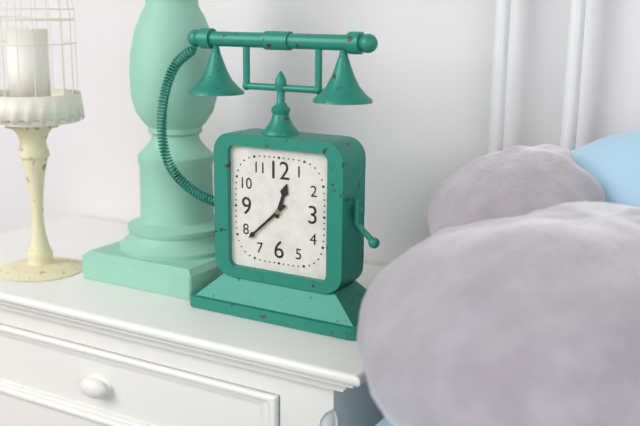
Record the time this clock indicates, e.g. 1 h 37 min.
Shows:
12 h 38 min
